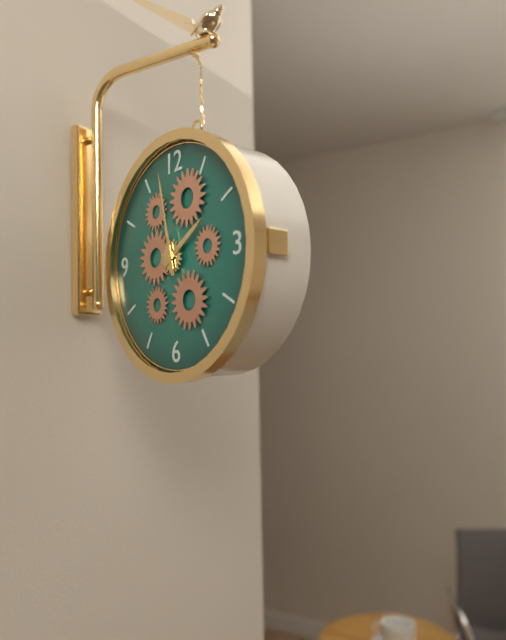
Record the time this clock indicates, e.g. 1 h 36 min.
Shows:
1 h 58 min
